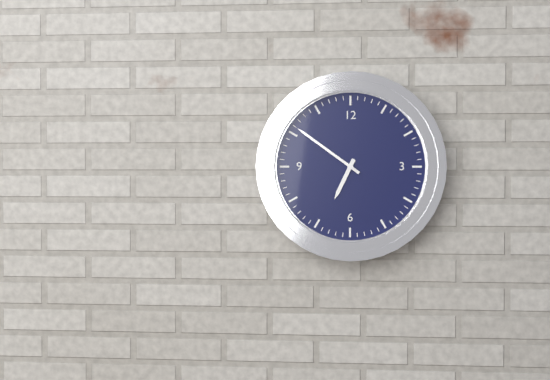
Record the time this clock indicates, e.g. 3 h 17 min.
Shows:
6 h 51 min
